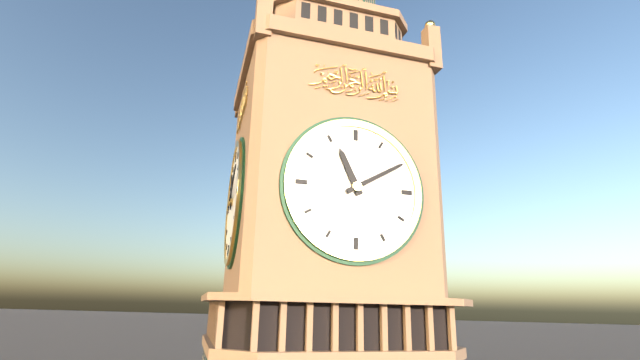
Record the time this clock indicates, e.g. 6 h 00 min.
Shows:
11 h 10 min
